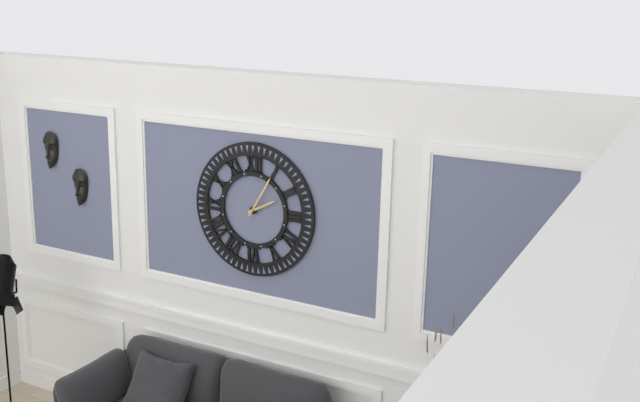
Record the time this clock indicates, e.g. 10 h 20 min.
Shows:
2 h 05 min
